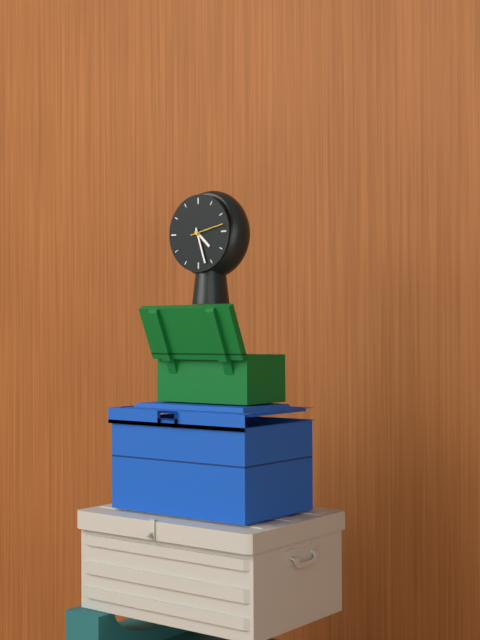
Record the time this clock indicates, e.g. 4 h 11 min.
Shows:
4 h 27 min
